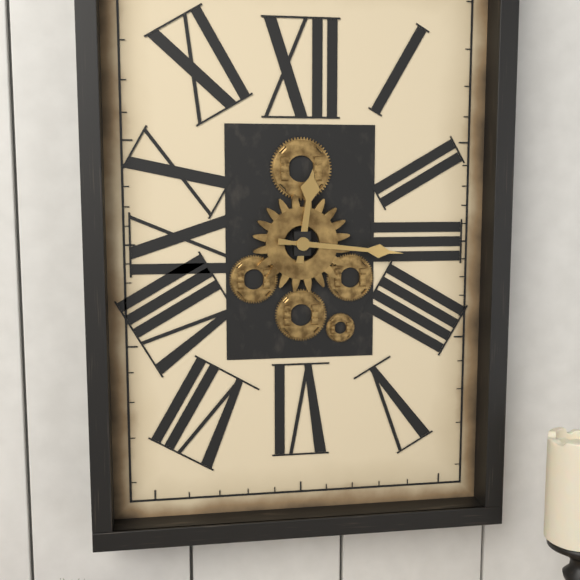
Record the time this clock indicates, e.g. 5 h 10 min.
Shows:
12 h 16 min
